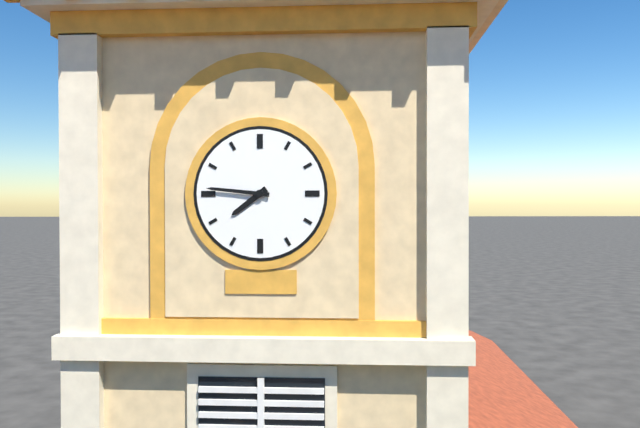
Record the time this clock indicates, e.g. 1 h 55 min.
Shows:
7 h 46 min
